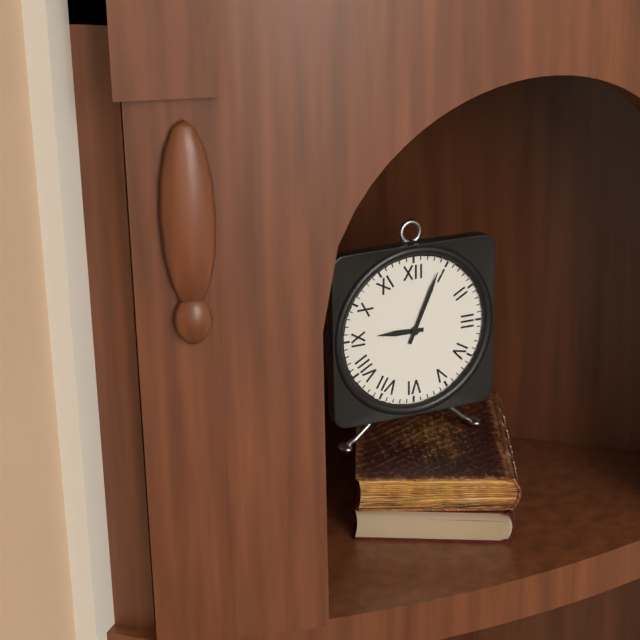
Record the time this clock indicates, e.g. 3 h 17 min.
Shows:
9 h 04 min
